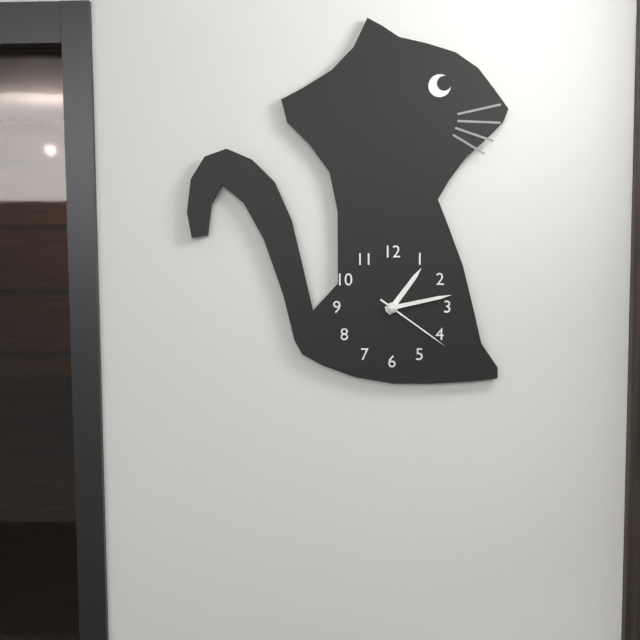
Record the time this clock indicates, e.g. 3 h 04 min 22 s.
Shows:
1 h 13 min 21 s
